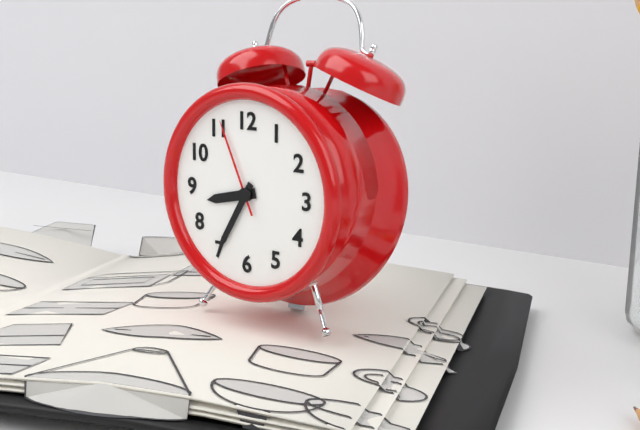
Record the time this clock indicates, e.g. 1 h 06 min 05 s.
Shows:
8 h 35 min 56 s
